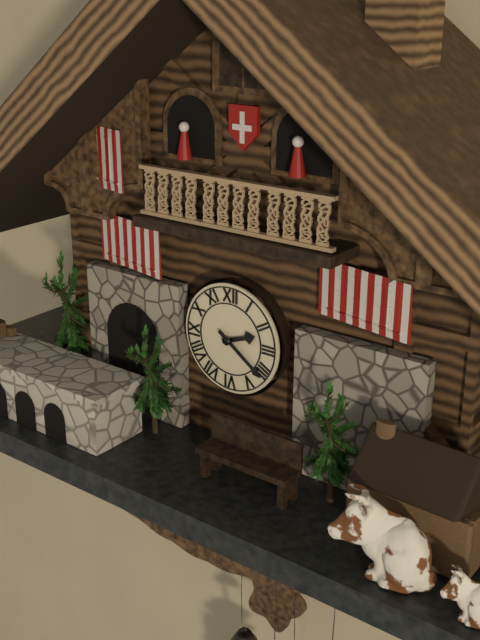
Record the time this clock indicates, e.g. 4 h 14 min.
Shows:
2 h 21 min
